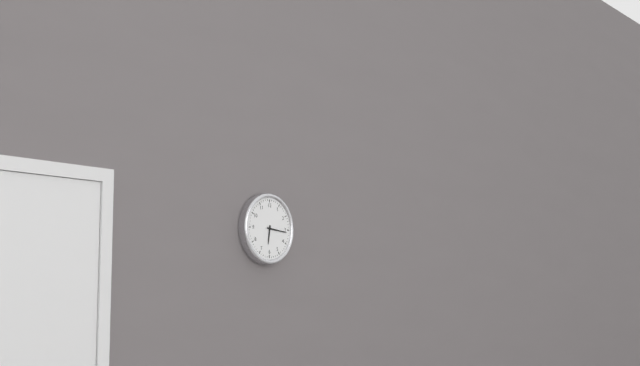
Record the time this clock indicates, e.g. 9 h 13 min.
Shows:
6 h 16 min
